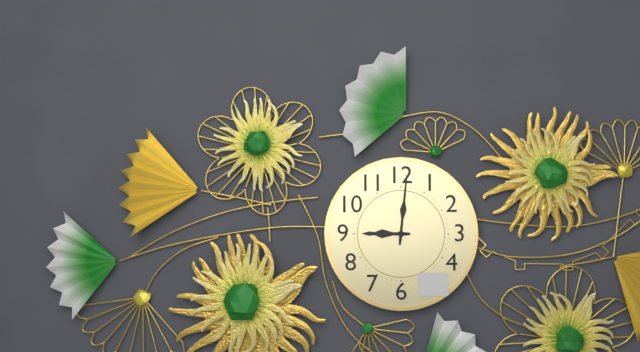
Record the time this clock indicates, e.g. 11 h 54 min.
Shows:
9 h 01 min
